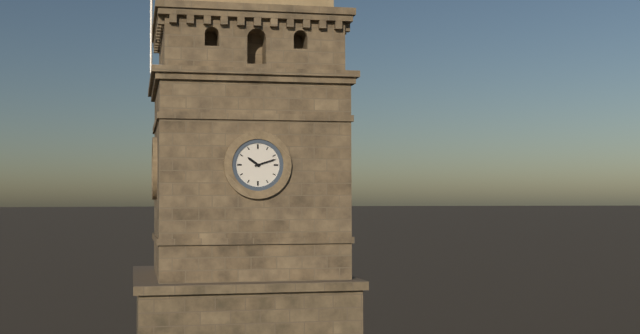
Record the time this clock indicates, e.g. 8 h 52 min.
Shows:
10 h 12 min
